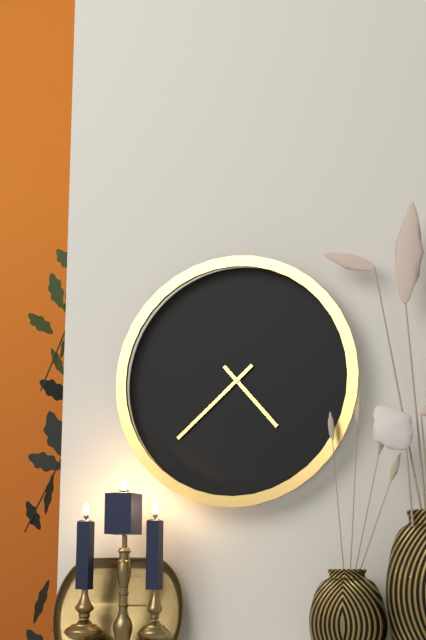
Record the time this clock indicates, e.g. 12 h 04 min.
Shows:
4 h 38 min
